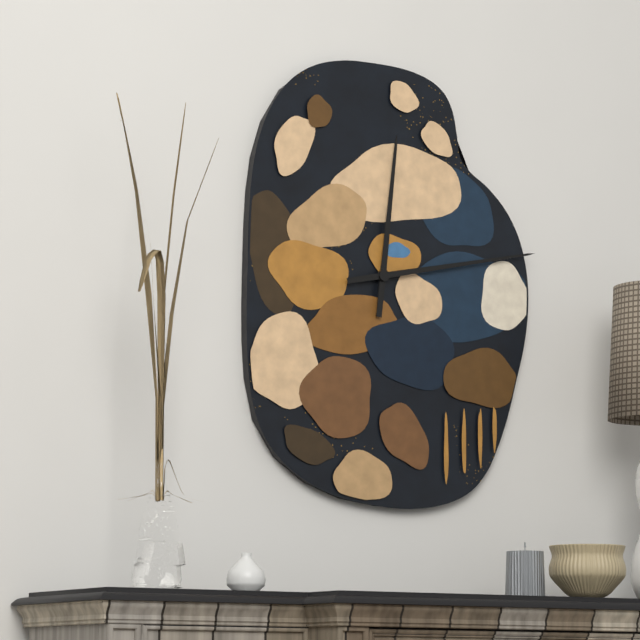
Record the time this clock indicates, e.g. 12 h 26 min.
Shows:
12 h 13 min
